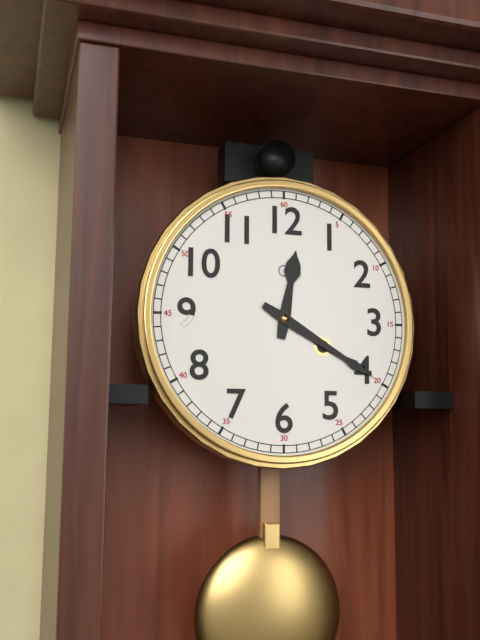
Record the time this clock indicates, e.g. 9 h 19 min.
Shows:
12 h 20 min
